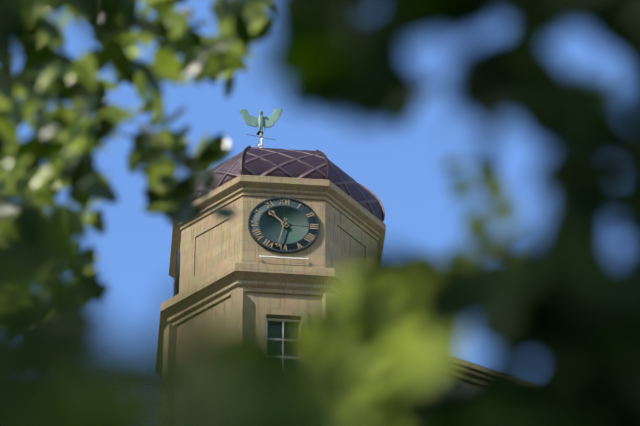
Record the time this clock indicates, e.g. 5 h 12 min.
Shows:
10 h 32 min
